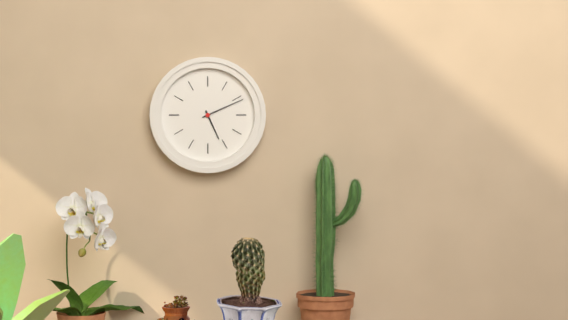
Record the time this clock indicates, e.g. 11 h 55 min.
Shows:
5 h 11 min
